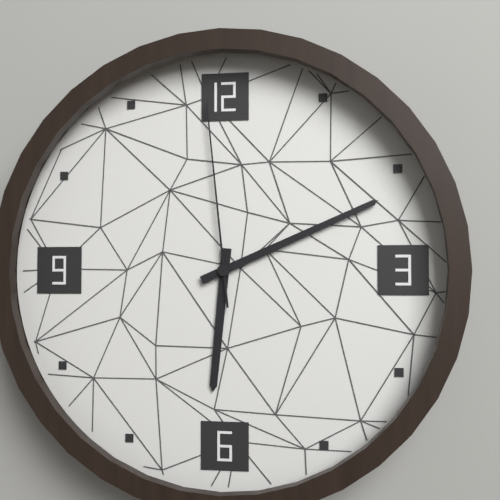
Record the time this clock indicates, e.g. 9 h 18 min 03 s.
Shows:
6 h 11 min 59 s
